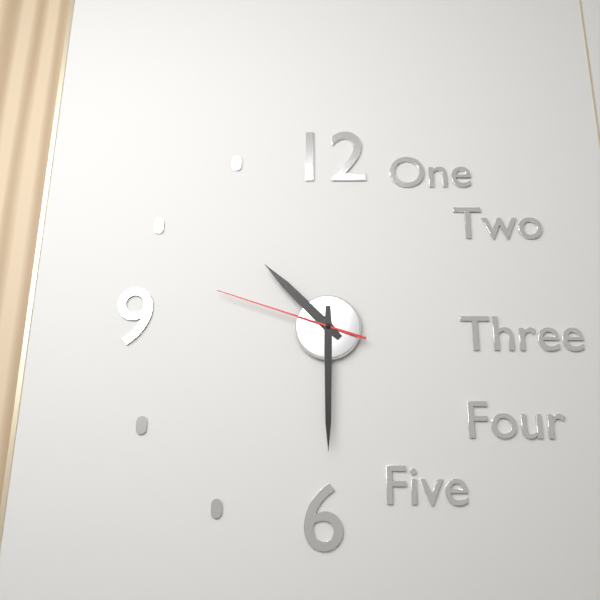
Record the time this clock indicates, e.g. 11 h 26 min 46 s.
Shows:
10 h 30 min 48 s
